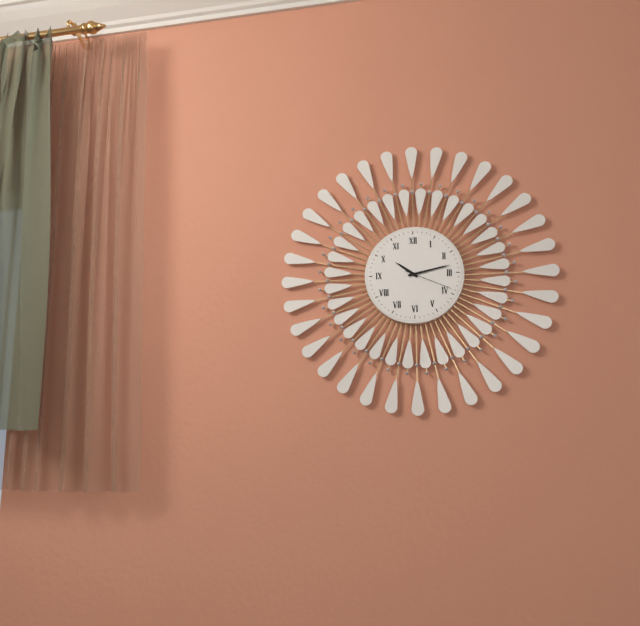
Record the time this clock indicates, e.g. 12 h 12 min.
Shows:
10 h 13 min
